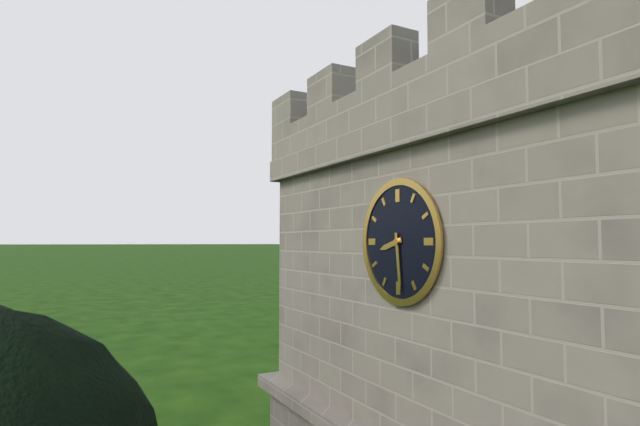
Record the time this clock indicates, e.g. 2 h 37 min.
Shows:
8 h 29 min
